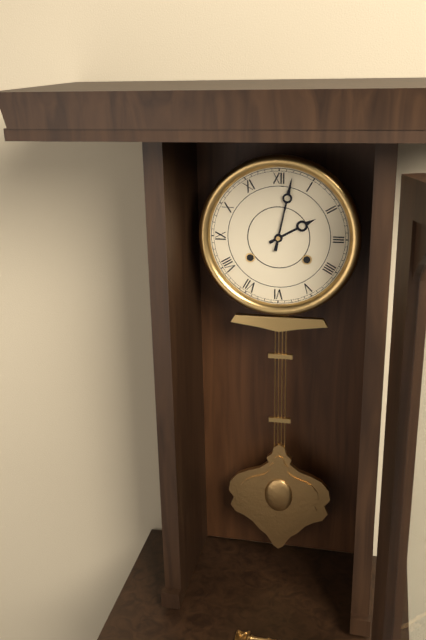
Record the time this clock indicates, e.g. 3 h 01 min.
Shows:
2 h 02 min
